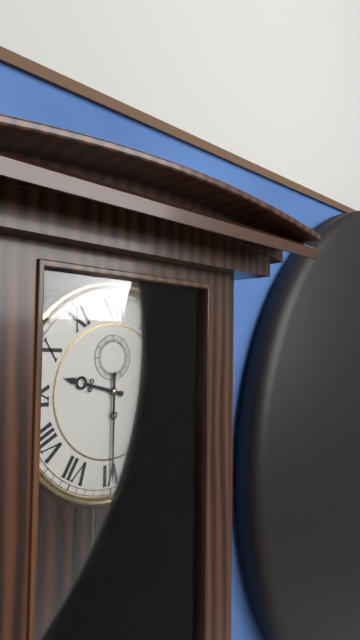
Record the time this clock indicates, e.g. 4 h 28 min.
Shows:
9 h 30 min
